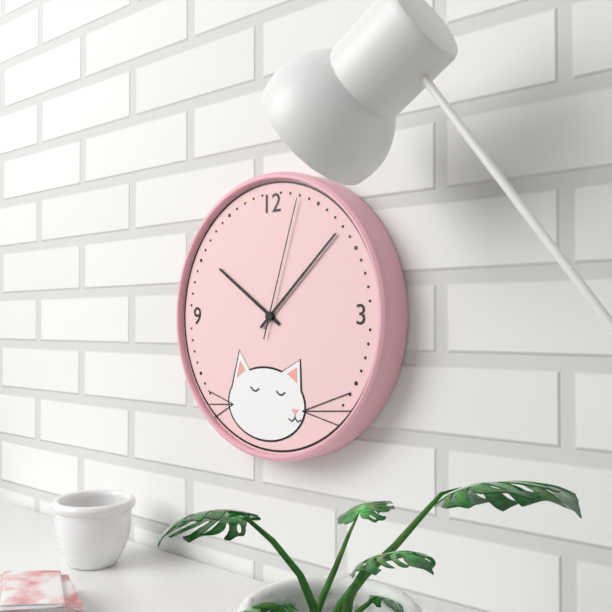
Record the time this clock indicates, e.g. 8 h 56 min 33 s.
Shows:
10 h 08 min 03 s
